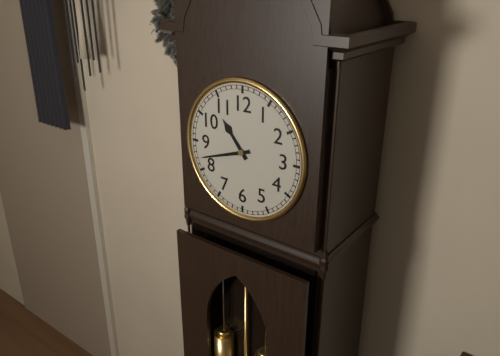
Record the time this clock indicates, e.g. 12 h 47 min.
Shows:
10 h 42 min
